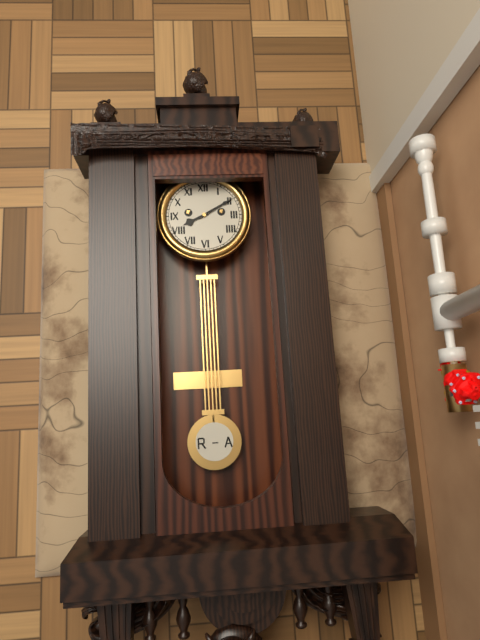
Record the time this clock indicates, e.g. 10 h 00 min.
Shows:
8 h 10 min
